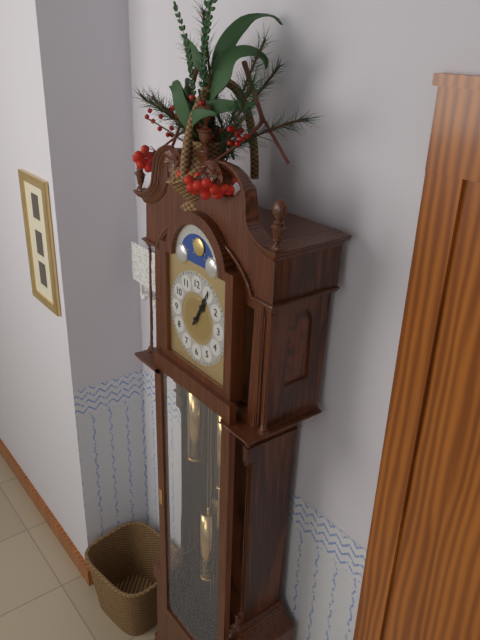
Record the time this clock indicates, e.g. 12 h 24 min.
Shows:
1 h 05 min
